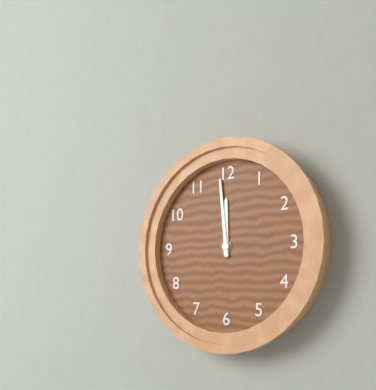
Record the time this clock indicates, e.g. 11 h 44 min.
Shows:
11 h 59 min
